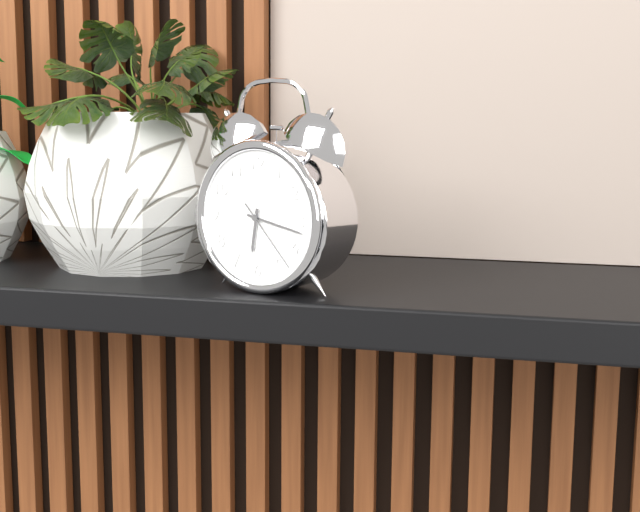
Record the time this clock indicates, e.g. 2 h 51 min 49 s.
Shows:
6 h 17 min 23 s
